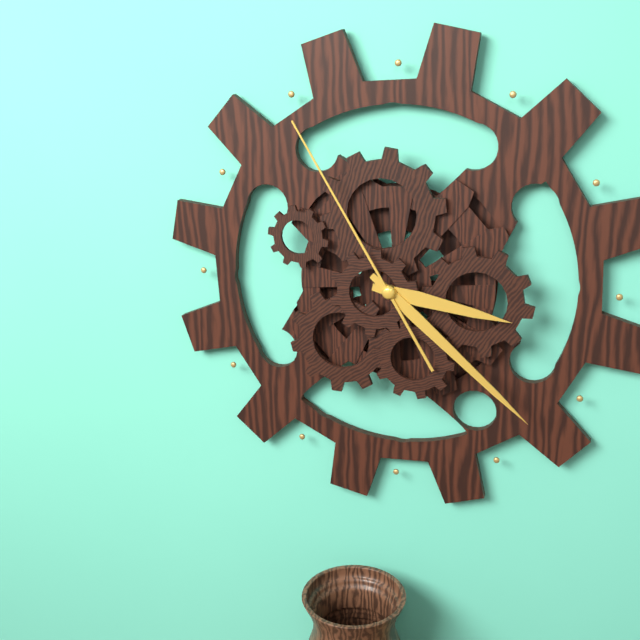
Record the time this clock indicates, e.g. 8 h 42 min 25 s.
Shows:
3 h 22 min 55 s
